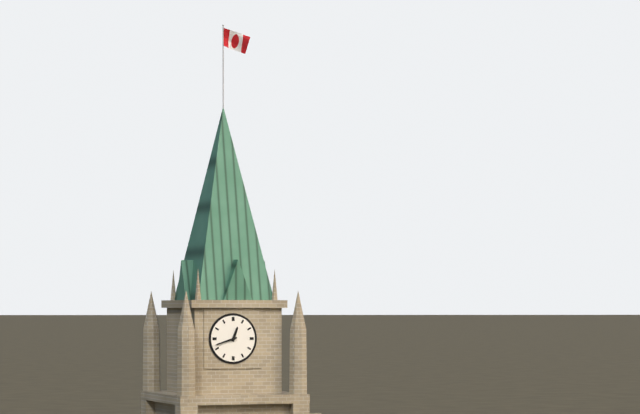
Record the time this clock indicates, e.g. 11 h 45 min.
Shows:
12 h 42 min
